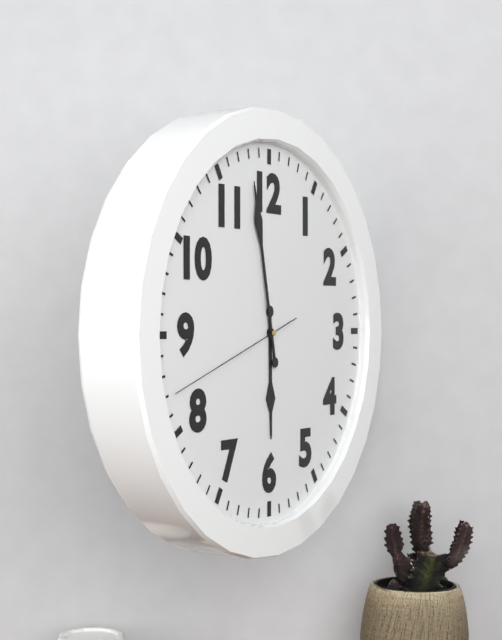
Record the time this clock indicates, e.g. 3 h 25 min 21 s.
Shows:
5 h 58 min 42 s
